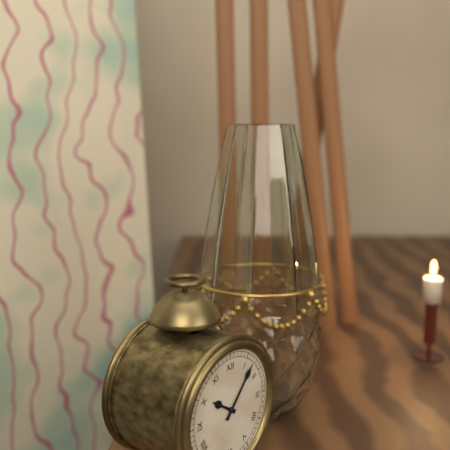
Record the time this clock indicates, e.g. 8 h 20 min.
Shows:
10 h 07 min
